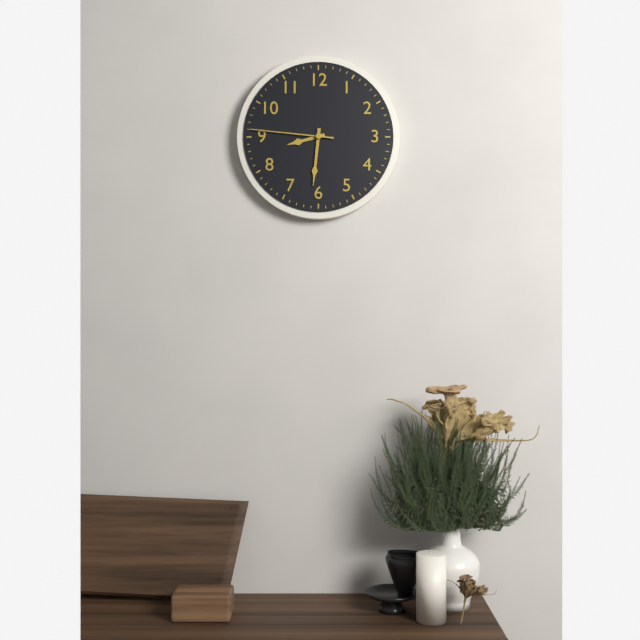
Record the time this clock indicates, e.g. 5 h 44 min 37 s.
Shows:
8 h 31 min 46 s
